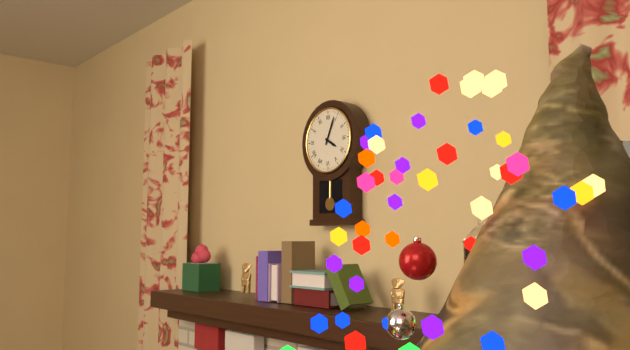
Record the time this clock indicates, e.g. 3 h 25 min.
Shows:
4 h 04 min
